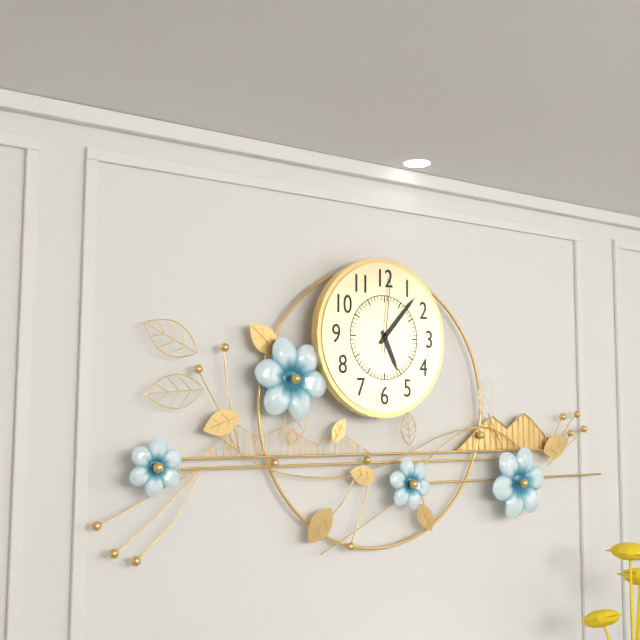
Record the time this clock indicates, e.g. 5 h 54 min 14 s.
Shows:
5 h 07 min 01 s
